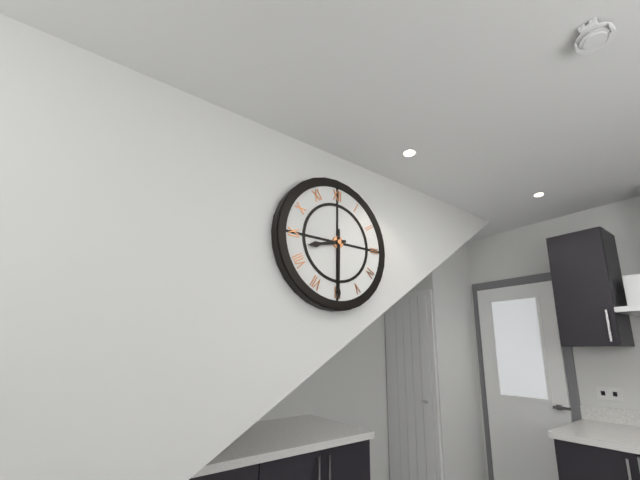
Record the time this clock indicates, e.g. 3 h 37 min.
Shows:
8 h 30 min
